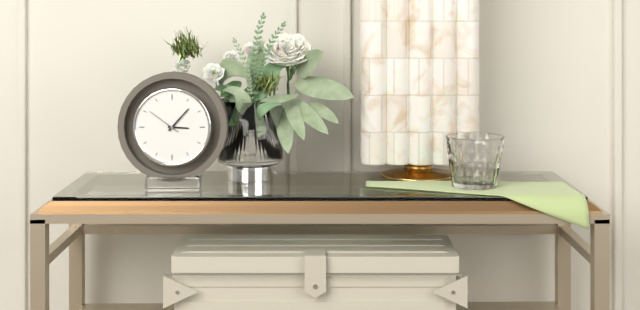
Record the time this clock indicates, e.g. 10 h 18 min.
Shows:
3 h 07 min
